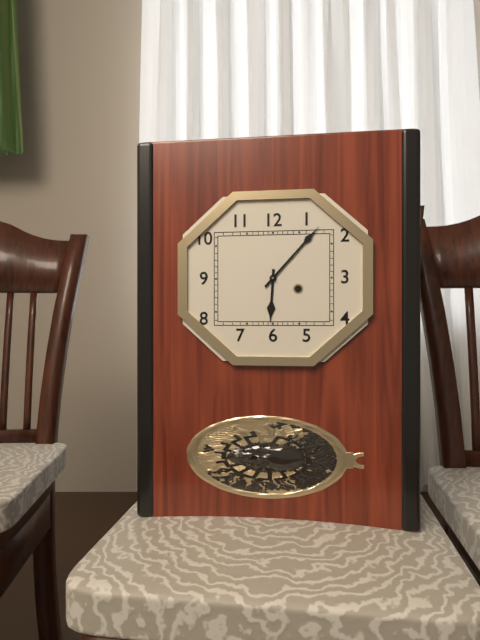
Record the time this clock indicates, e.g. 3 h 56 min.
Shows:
6 h 07 min
